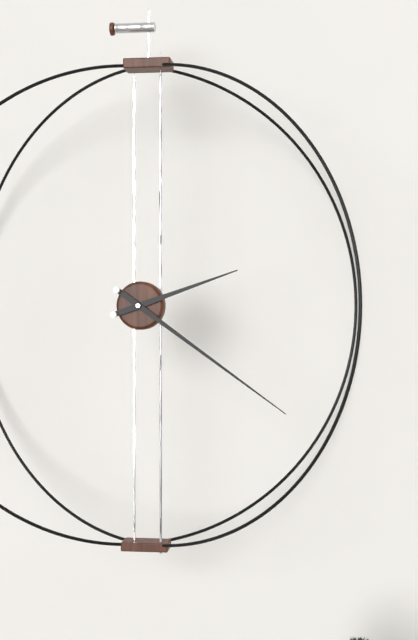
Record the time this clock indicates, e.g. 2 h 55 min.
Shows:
2 h 21 min
